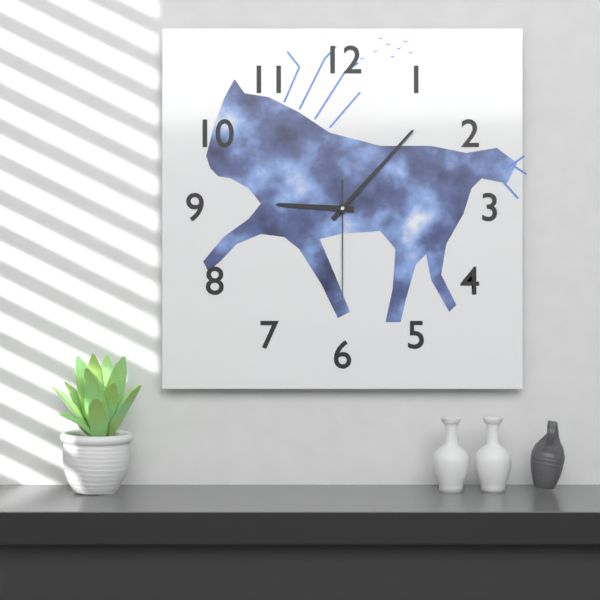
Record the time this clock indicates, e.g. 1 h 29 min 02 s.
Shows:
9 h 07 min 30 s
